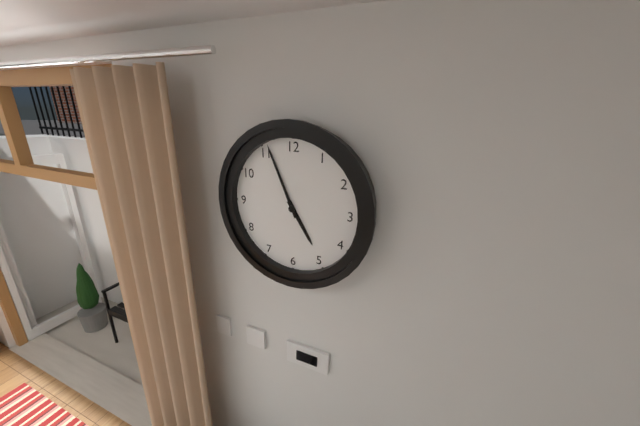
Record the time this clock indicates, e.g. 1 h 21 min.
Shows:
4 h 56 min
